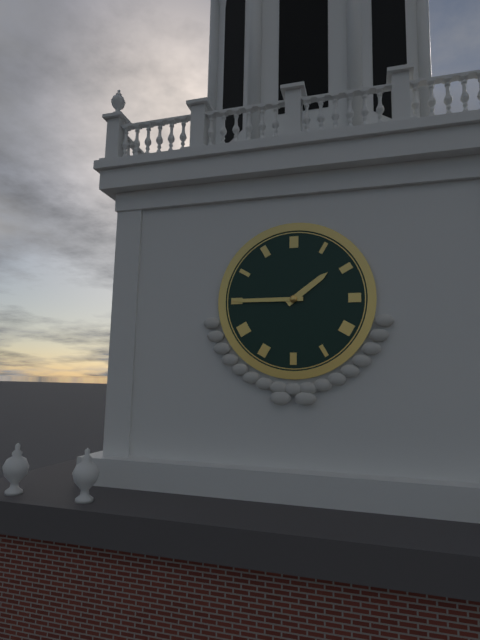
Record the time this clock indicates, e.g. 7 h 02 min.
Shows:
1 h 45 min
